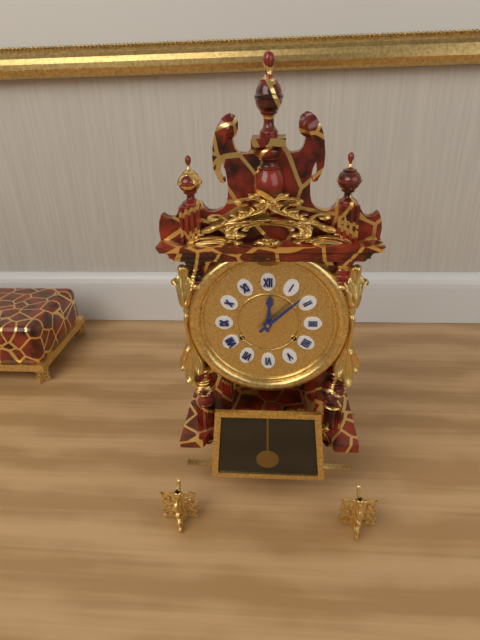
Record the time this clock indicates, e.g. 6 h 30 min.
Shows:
12 h 08 min
